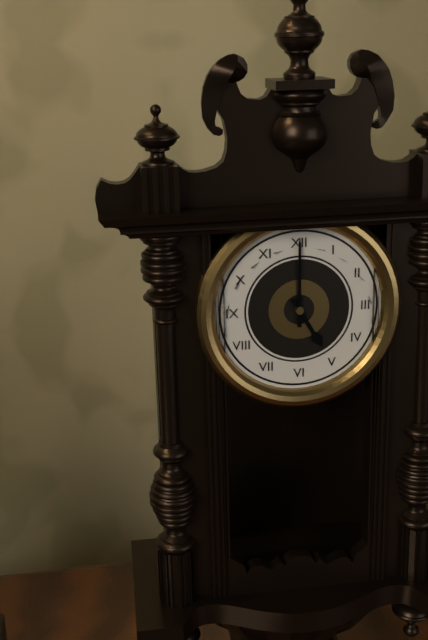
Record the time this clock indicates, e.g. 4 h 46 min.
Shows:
5 h 00 min
